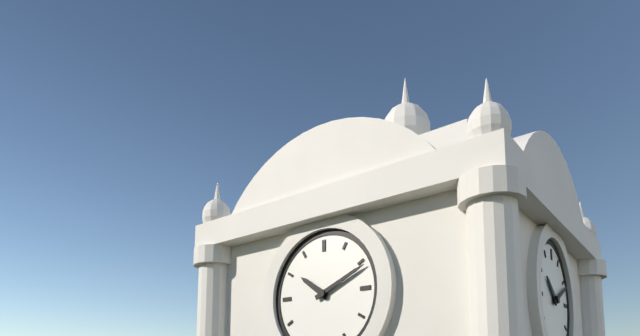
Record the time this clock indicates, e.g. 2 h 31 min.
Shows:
10 h 11 min
